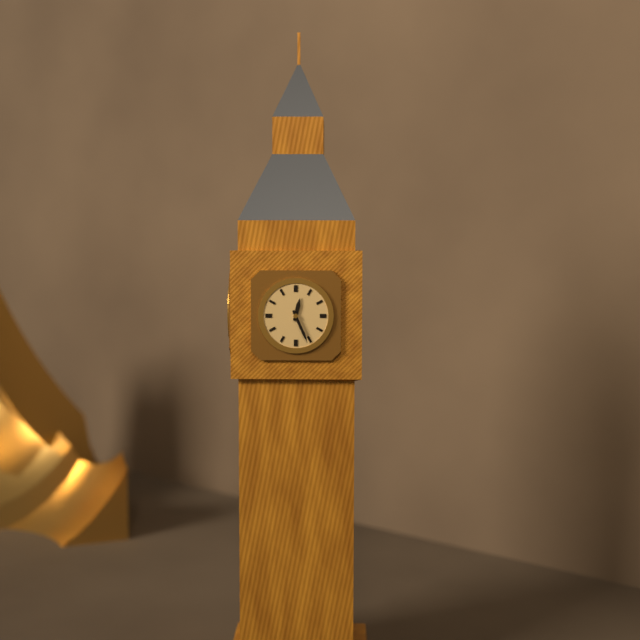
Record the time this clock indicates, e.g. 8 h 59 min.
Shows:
12 h 26 min
